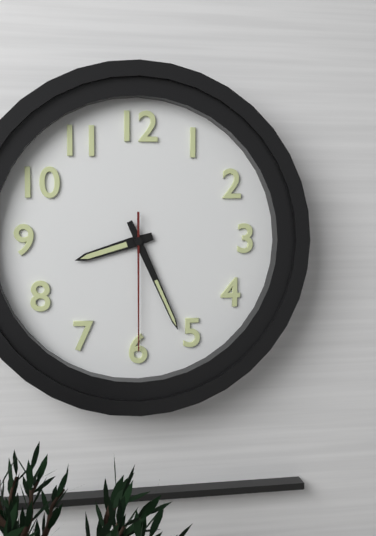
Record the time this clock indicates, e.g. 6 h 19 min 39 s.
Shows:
8 h 26 min 30 s
